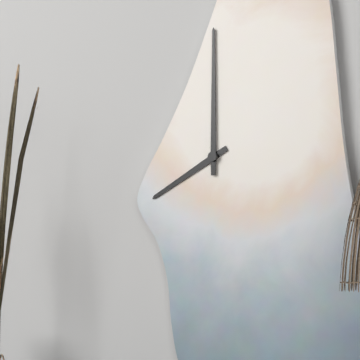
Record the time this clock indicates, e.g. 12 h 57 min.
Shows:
8 h 00 min
